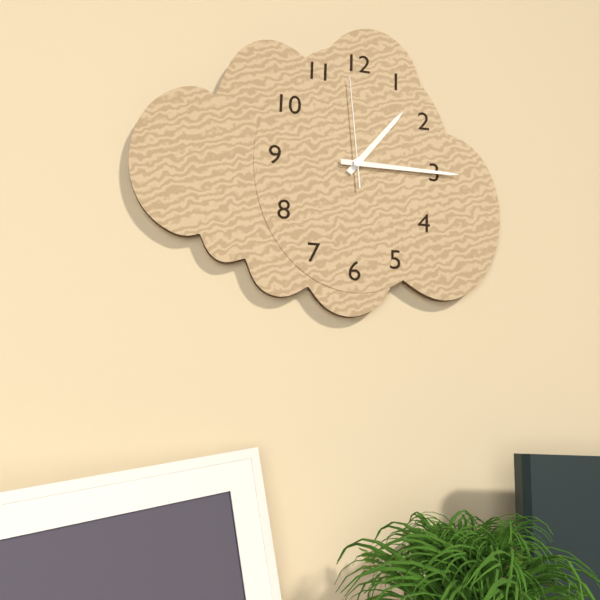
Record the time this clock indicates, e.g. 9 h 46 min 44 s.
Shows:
1 h 15 min 59 s
